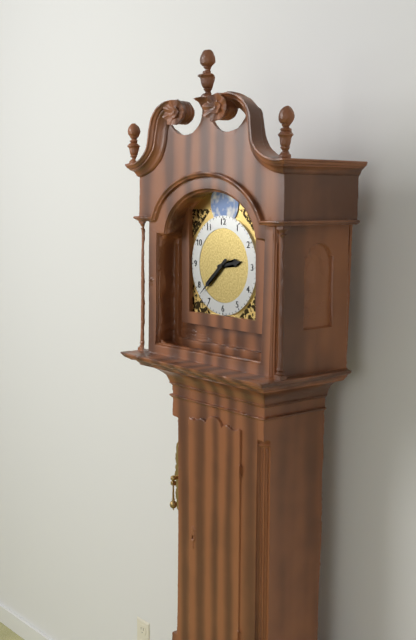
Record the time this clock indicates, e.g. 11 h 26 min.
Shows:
2 h 38 min
